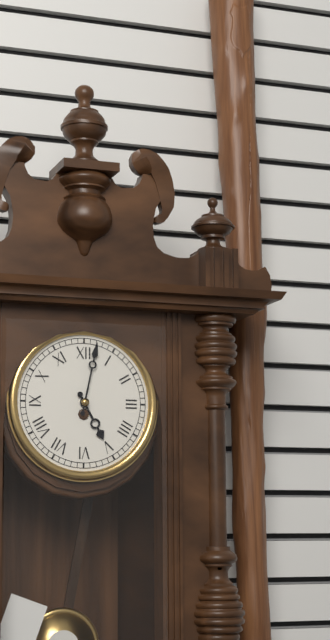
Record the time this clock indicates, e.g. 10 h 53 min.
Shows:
5 h 02 min
